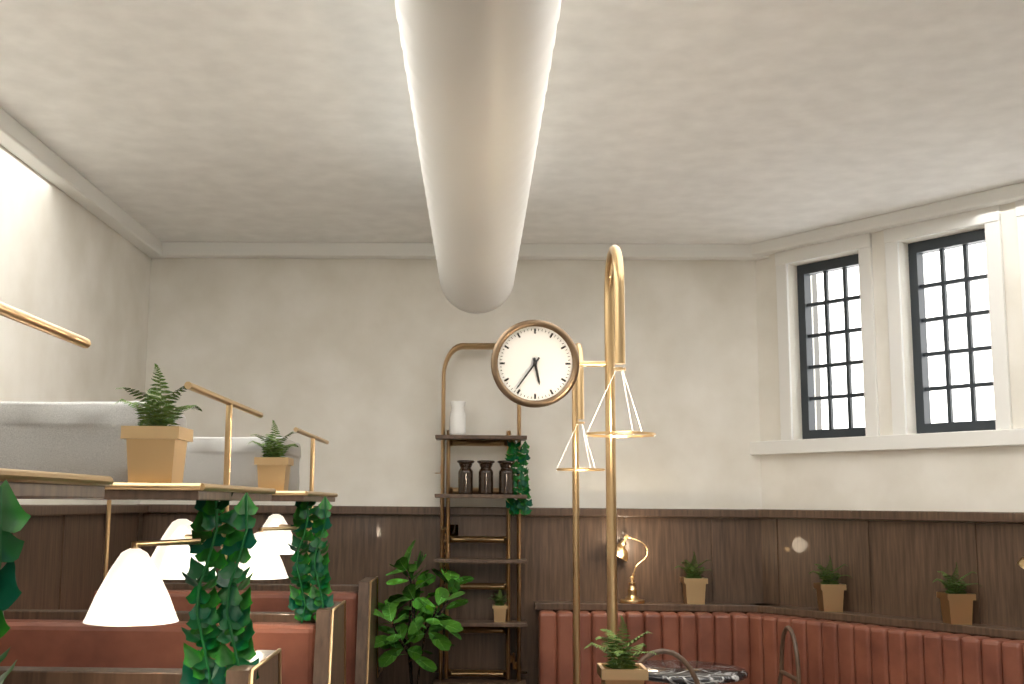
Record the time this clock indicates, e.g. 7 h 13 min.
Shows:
5 h 36 min
